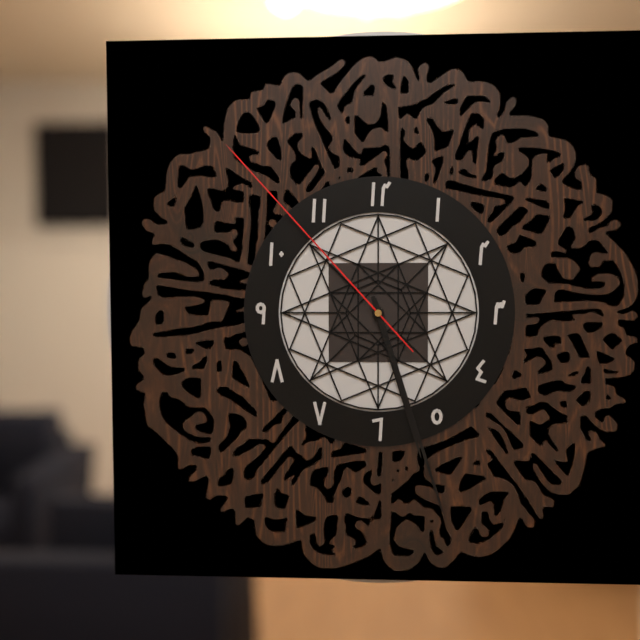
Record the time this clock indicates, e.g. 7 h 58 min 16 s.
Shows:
5 h 27 min 53 s
